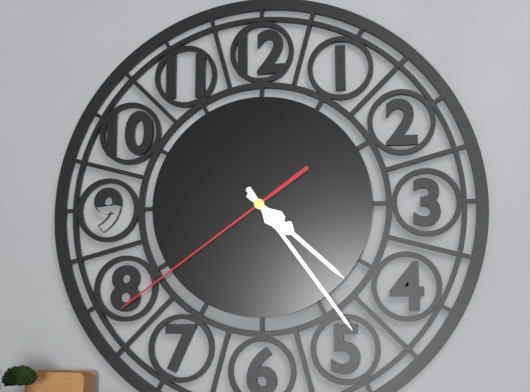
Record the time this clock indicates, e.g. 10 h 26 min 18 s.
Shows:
4 h 24 min 39 s
